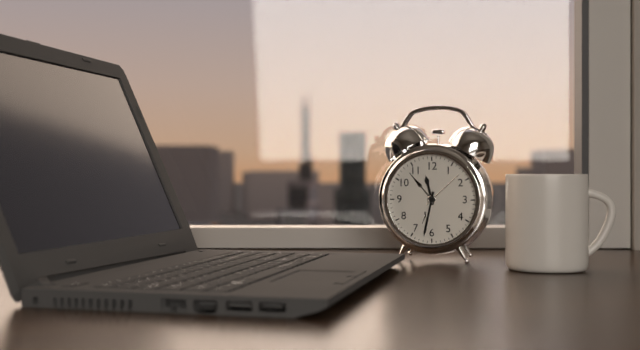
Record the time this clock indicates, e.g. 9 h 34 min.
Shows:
11 h 32 min
